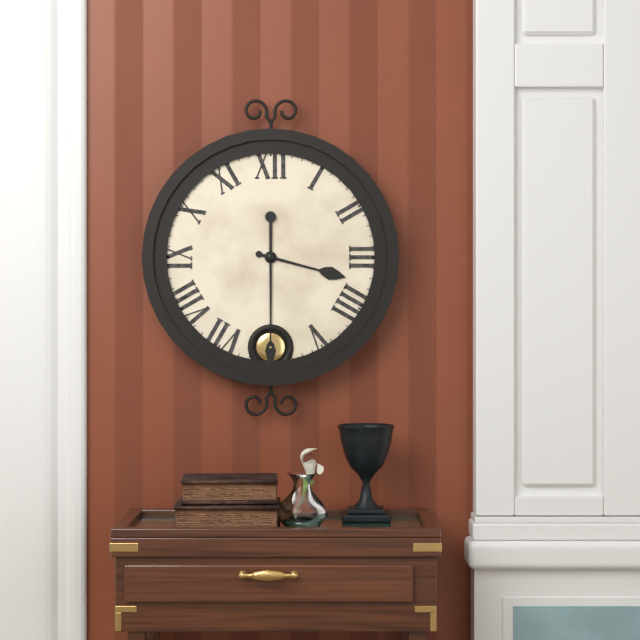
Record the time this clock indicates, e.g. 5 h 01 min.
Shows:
3 h 30 min
